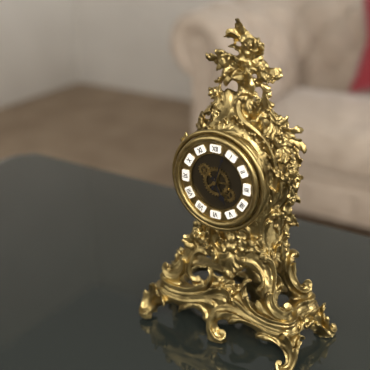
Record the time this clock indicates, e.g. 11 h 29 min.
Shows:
5 h 03 min
